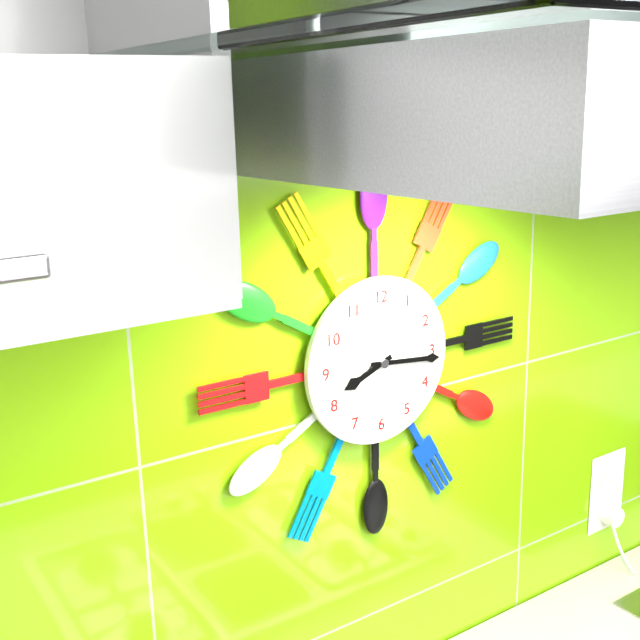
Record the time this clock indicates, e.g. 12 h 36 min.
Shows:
8 h 16 min
